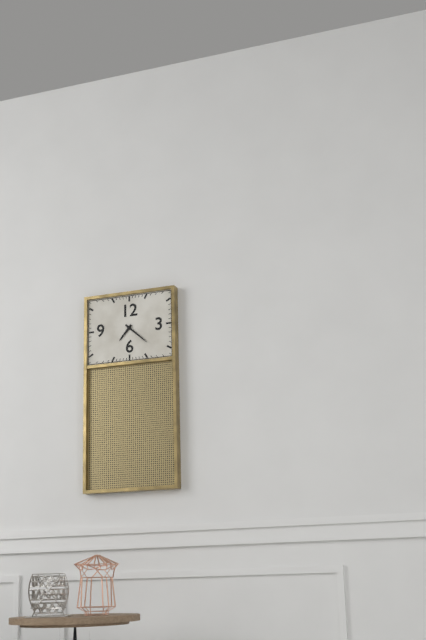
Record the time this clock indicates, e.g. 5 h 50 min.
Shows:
7 h 22 min
